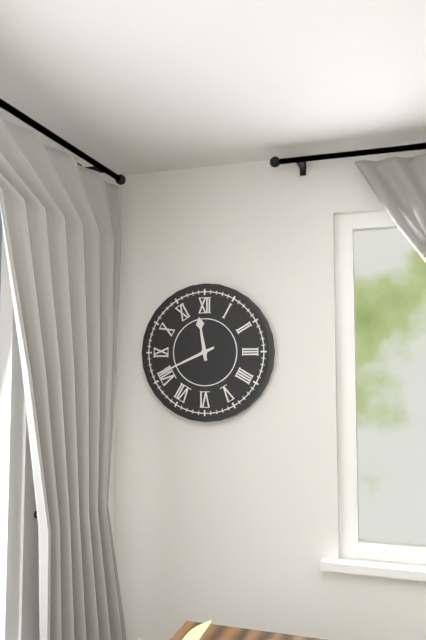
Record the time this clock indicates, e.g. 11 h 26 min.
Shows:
11 h 41 min
